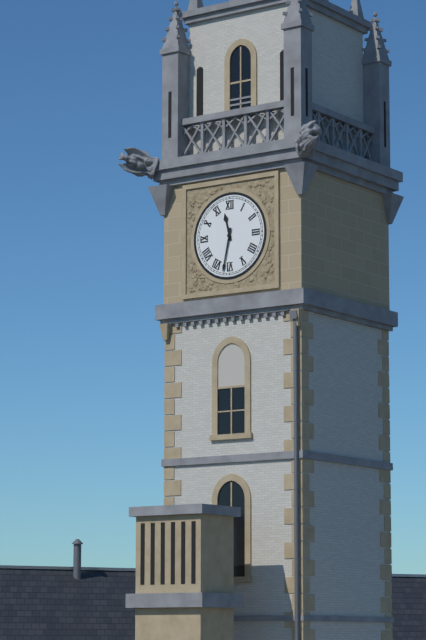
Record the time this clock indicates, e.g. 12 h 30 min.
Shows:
11 h 32 min
